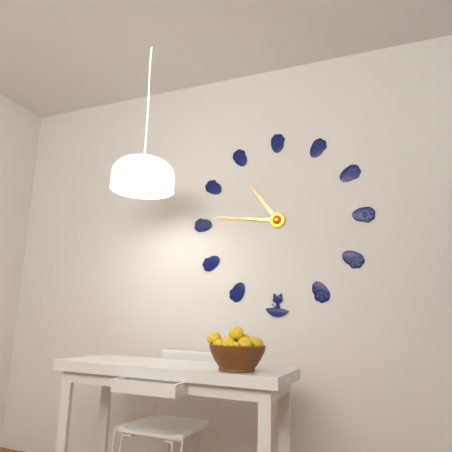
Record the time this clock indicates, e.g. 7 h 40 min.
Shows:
10 h 46 min
